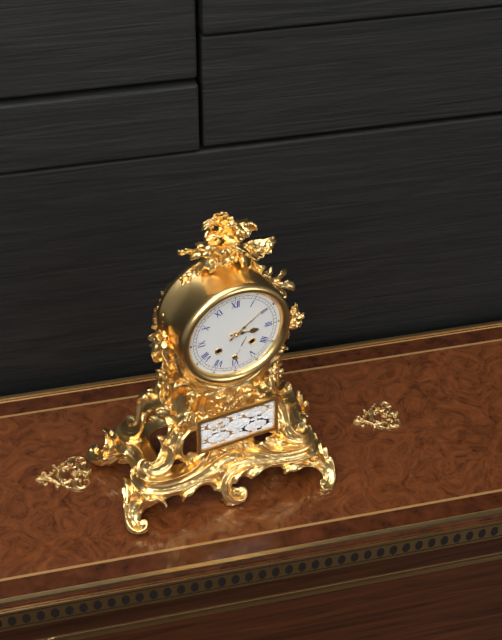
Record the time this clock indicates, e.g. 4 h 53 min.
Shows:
3 h 09 min
